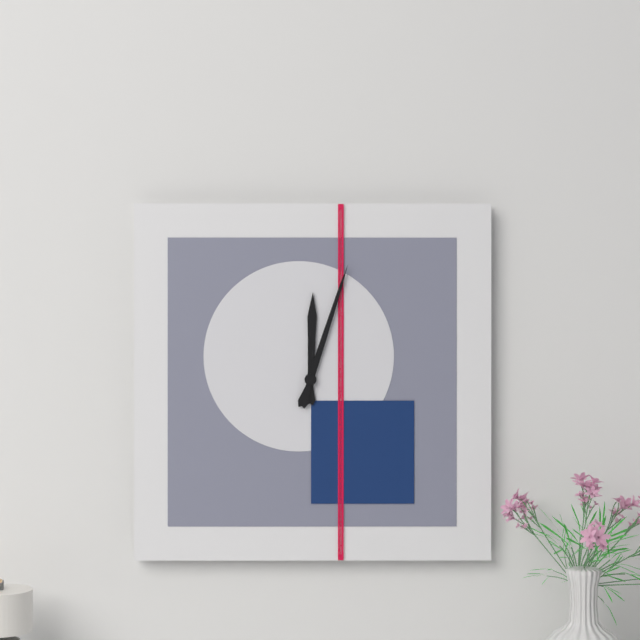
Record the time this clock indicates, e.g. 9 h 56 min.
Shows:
12 h 03 min
